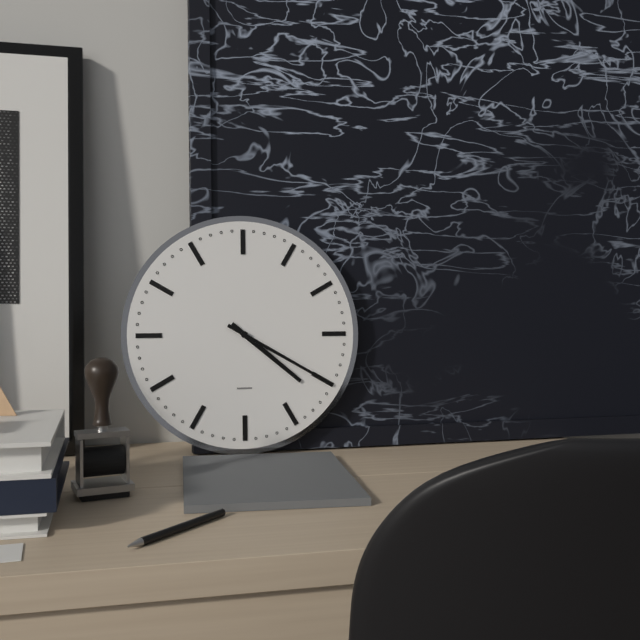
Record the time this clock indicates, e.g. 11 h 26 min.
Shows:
4 h 20 min
